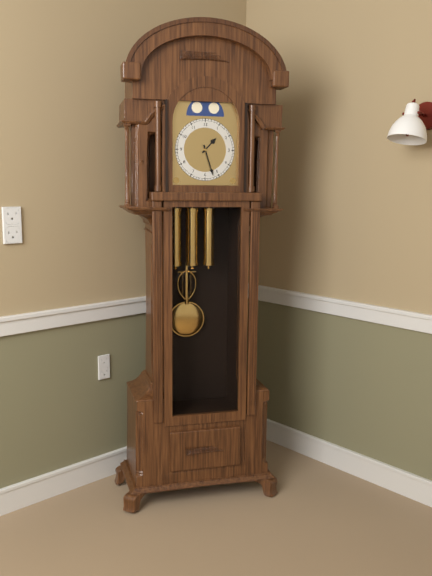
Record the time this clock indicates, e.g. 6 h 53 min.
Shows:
1 h 27 min
